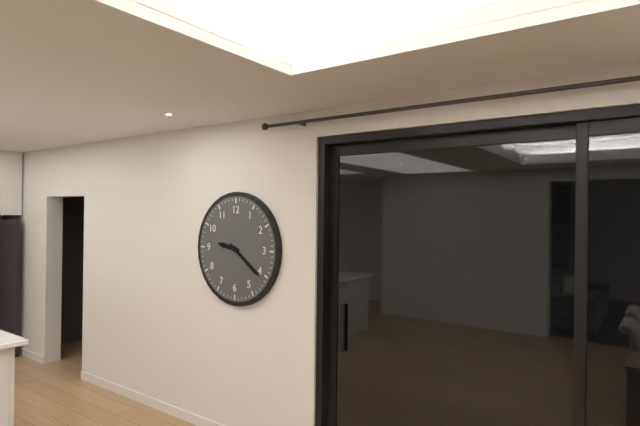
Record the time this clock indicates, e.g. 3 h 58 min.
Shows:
9 h 21 min
